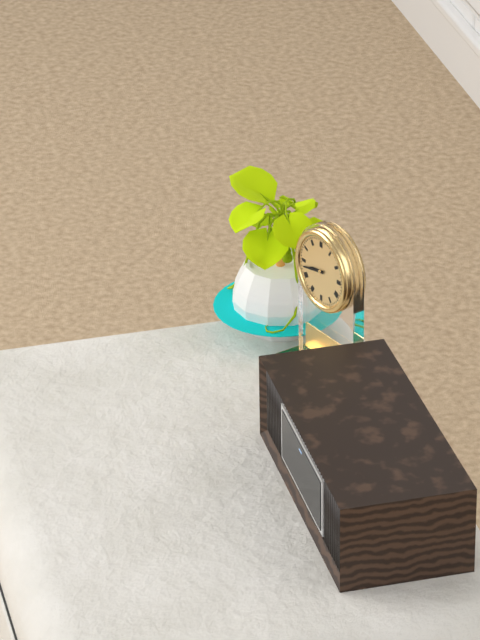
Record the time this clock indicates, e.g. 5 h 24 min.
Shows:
8 h 43 min
